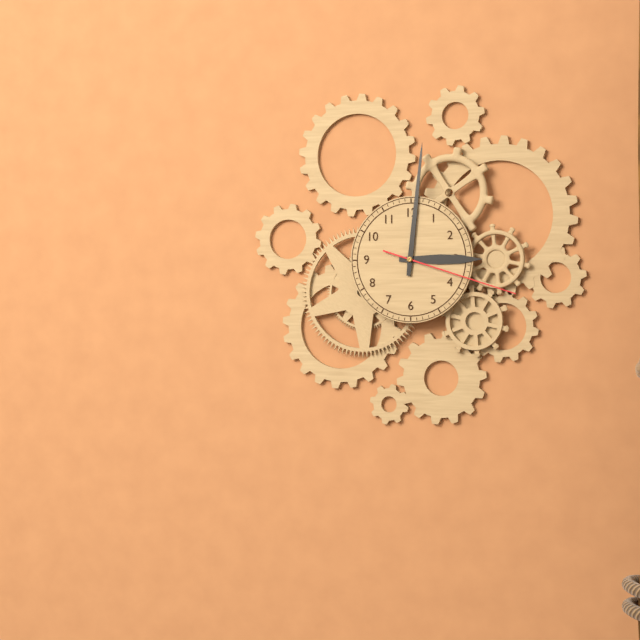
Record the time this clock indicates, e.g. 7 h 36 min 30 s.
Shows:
3 h 01 min 18 s
